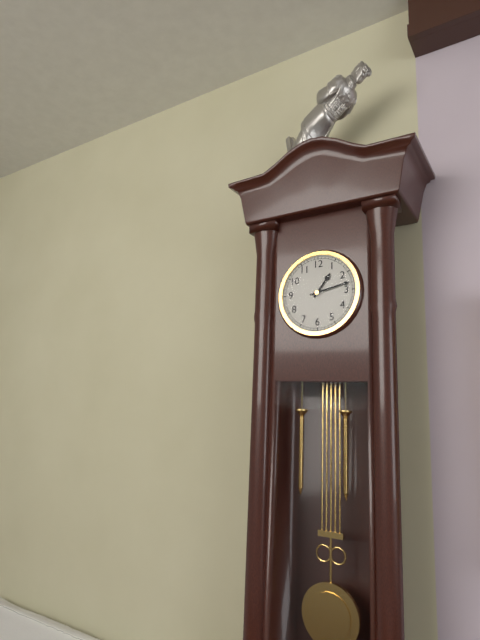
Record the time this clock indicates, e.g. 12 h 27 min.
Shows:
1 h 13 min
